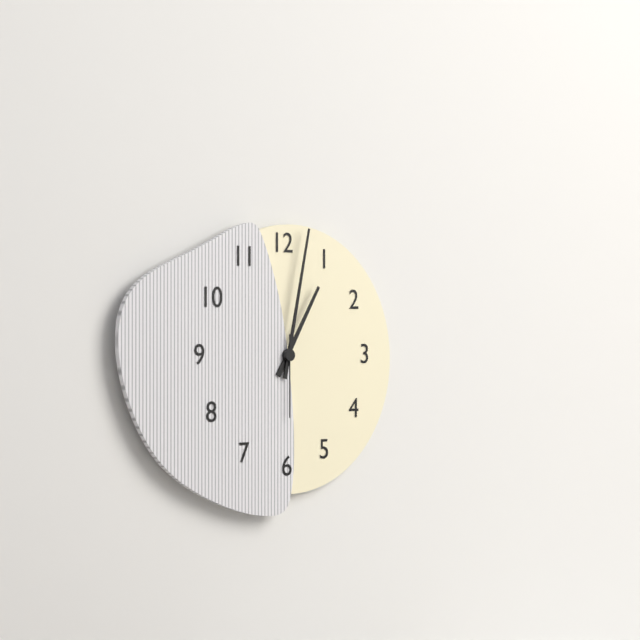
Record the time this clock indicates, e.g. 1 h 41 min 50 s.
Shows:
1 h 02 min 30 s
